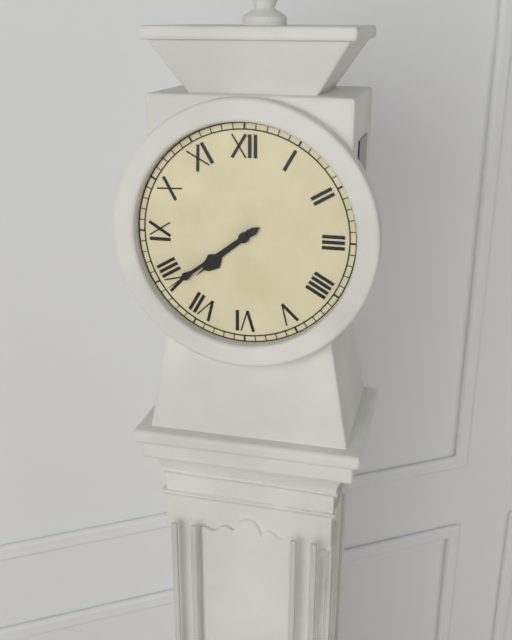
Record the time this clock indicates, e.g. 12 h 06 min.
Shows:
7 h 39 min
